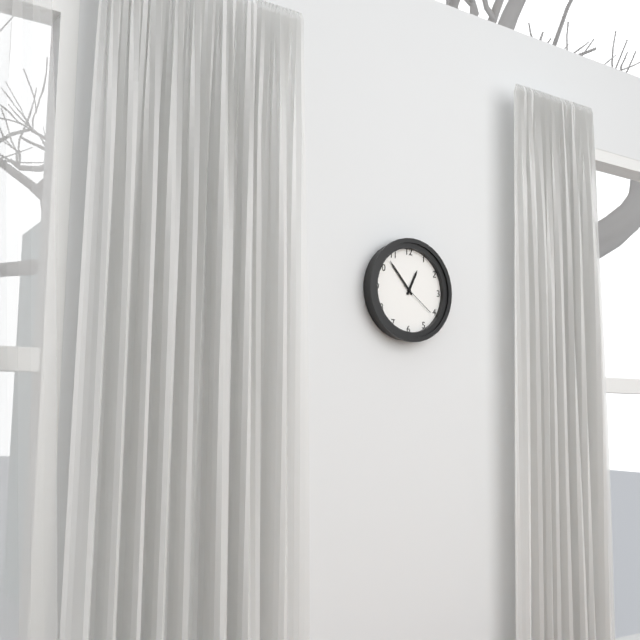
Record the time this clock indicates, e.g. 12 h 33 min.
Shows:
12 h 53 min
